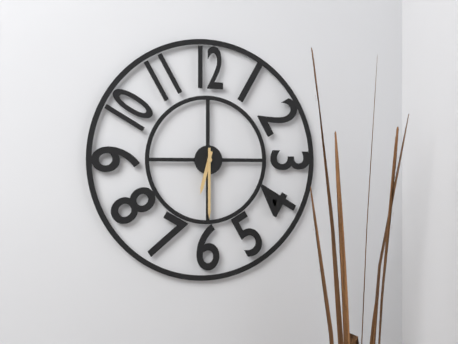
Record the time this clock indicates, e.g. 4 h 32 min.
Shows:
6 h 30 min
